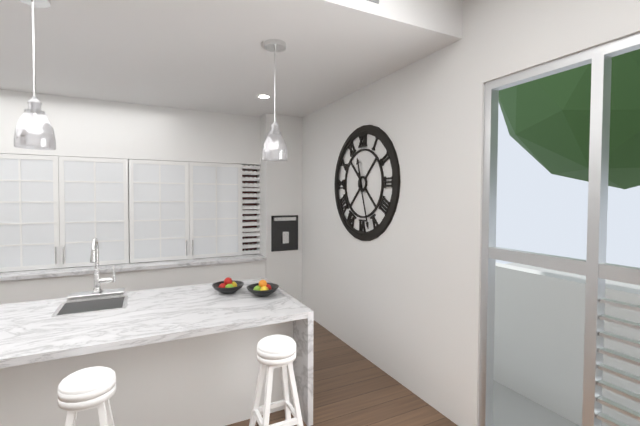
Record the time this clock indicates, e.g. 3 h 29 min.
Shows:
11 h 27 min
